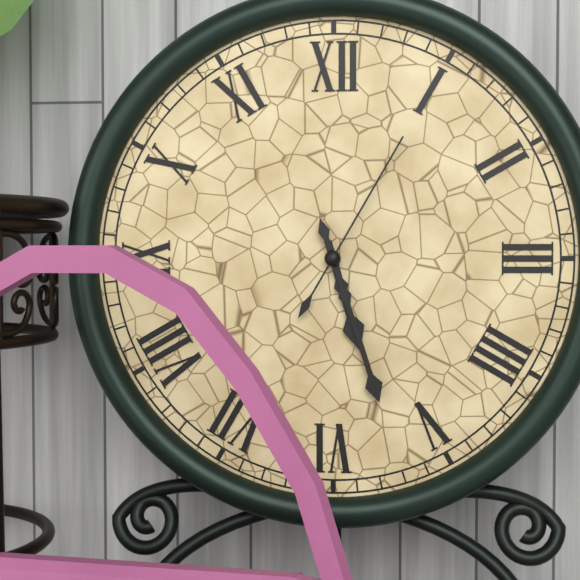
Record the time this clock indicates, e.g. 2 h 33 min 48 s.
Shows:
5 h 27 min 05 s
